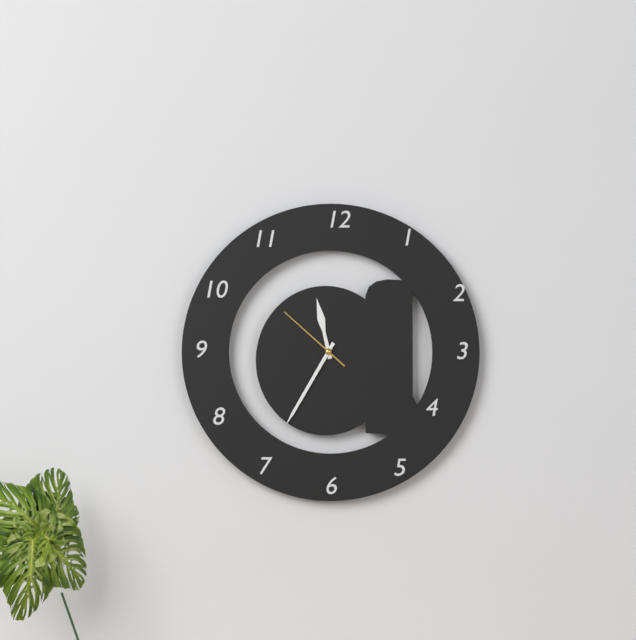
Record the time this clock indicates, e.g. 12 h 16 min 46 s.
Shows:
11 h 35 min 52 s
